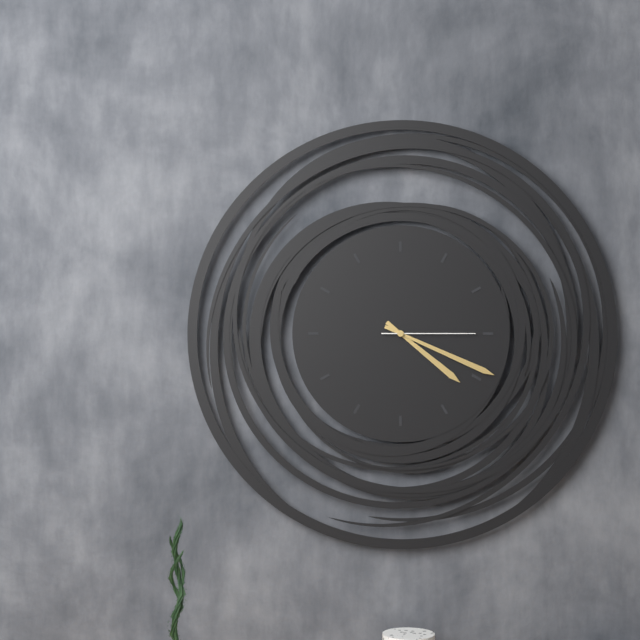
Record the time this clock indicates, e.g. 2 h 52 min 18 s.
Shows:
4 h 19 min 15 s
